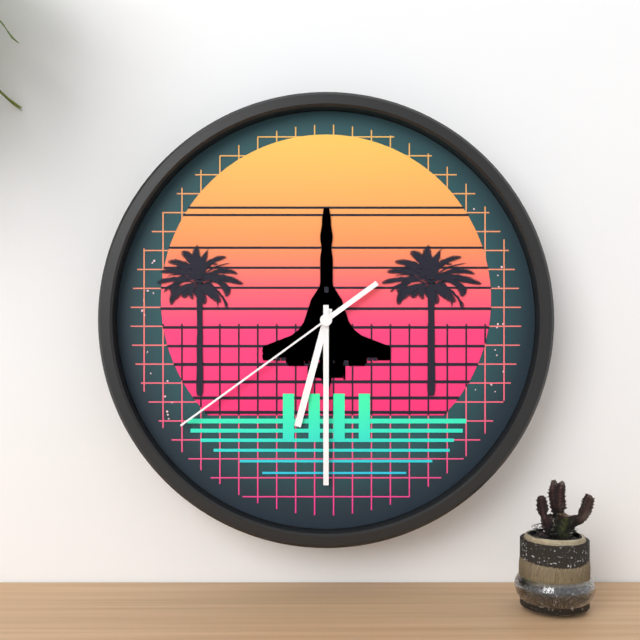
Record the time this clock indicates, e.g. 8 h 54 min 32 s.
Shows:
6 h 30 min 39 s
